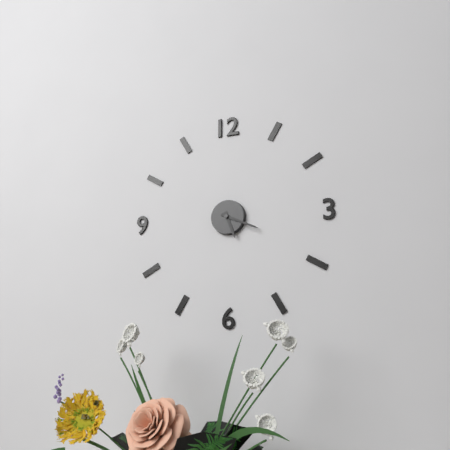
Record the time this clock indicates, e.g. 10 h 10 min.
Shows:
5 h 19 min
